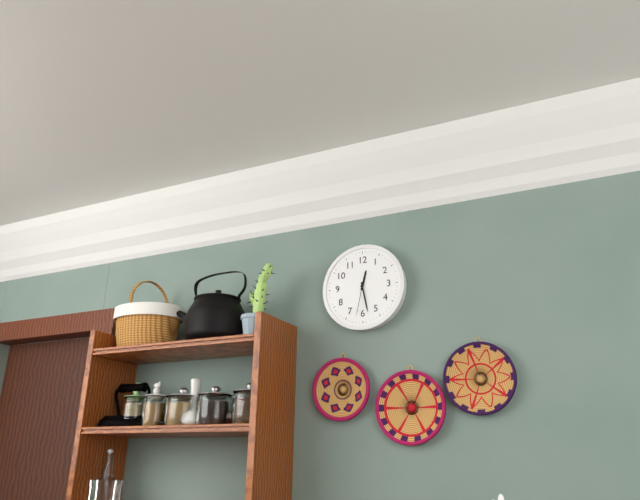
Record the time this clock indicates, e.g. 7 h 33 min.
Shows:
12 h 28 min
